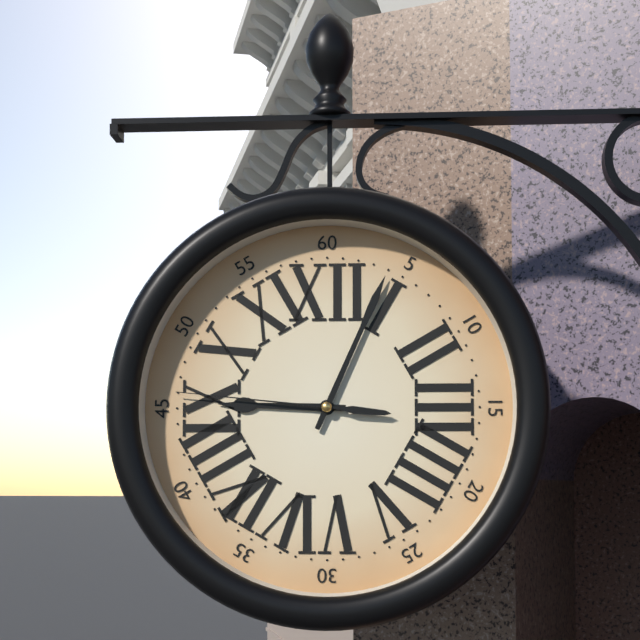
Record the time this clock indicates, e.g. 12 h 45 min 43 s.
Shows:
9 h 04 min 46 s
